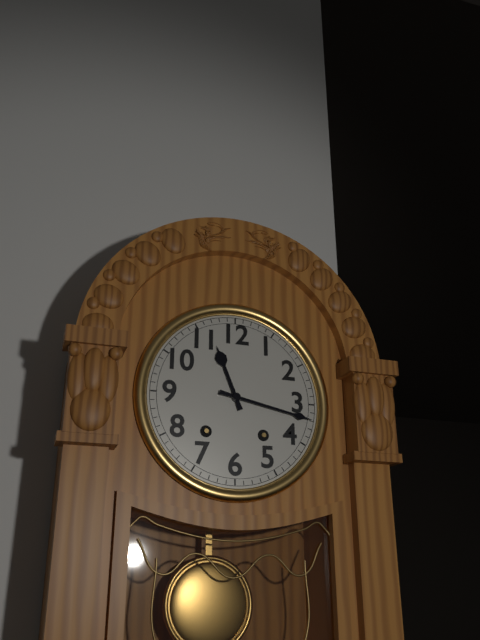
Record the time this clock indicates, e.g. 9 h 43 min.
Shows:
11 h 17 min
